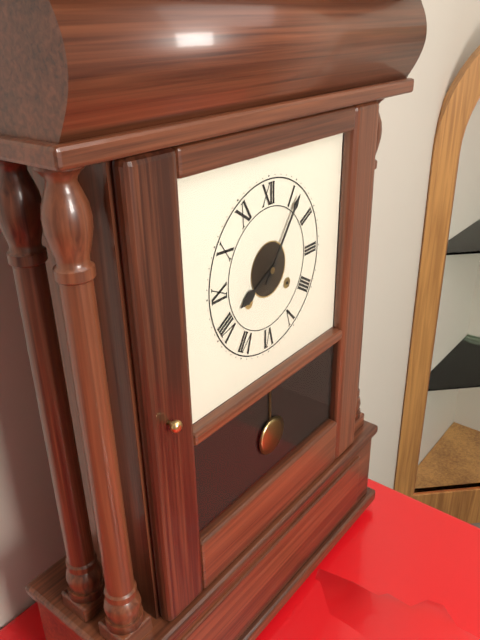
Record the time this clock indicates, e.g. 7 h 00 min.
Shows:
8 h 06 min
